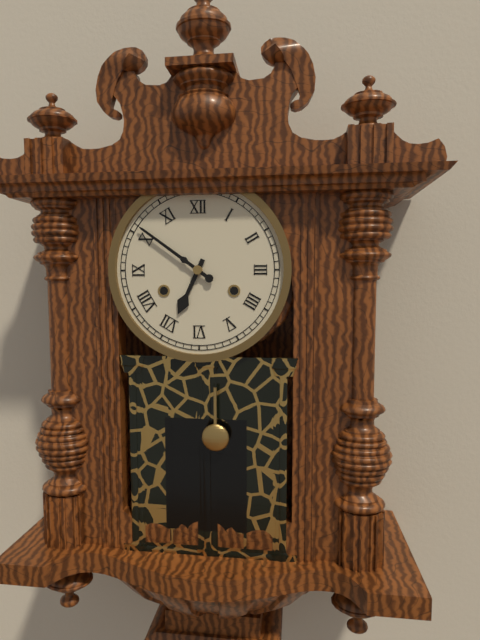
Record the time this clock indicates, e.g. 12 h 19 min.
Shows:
6 h 51 min
